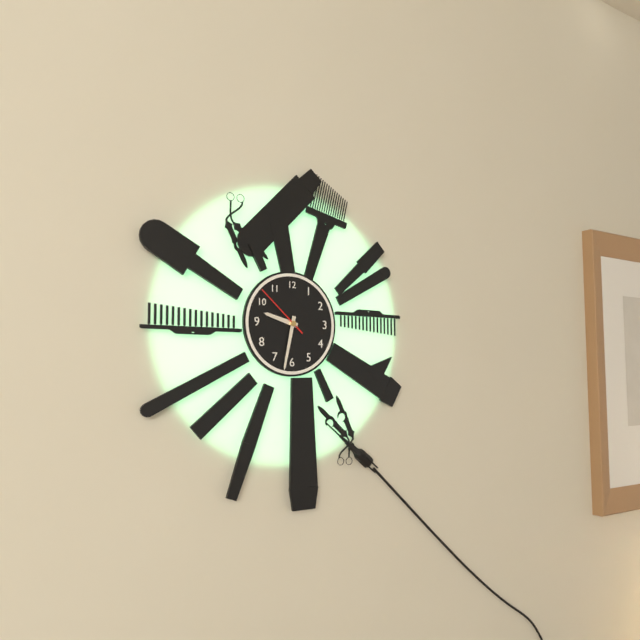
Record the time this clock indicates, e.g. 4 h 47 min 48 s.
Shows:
9 h 32 min 52 s
